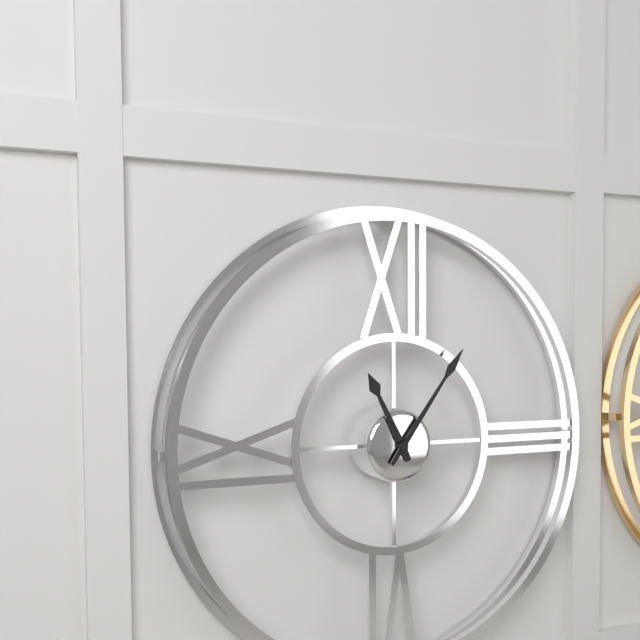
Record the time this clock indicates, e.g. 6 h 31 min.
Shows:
11 h 06 min
